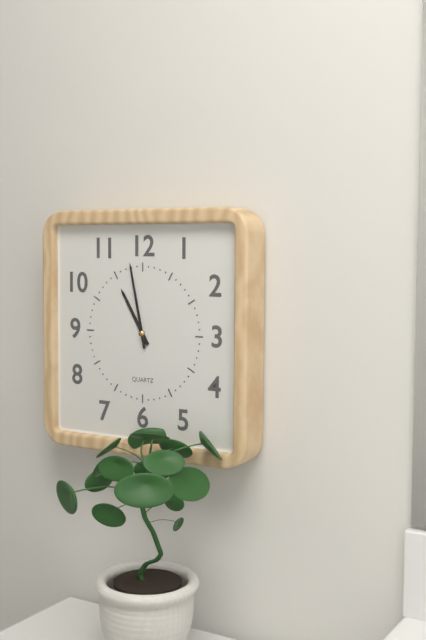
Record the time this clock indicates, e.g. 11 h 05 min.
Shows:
10 h 58 min
